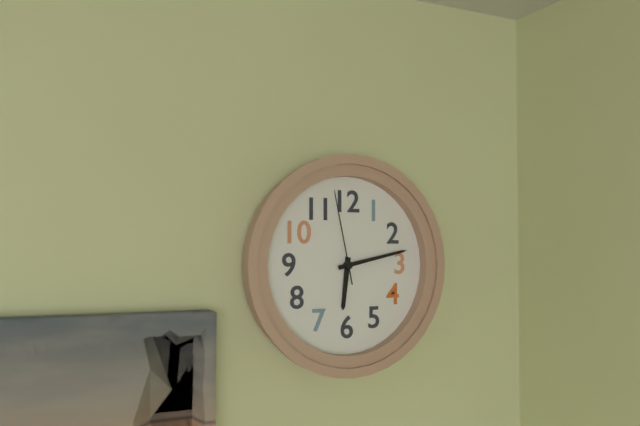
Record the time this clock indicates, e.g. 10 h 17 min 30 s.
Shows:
6 h 13 min 58 s
